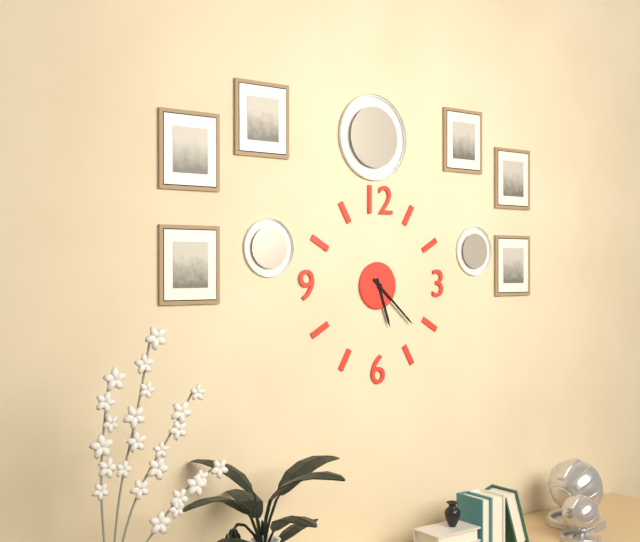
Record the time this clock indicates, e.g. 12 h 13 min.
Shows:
5 h 22 min
